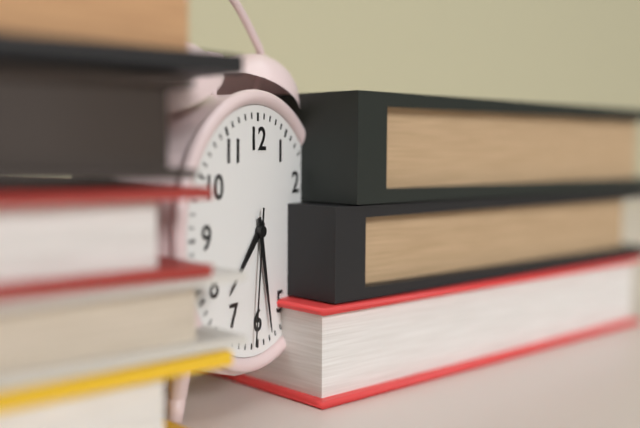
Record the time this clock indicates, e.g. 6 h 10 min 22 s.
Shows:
7 h 28 min 31 s
